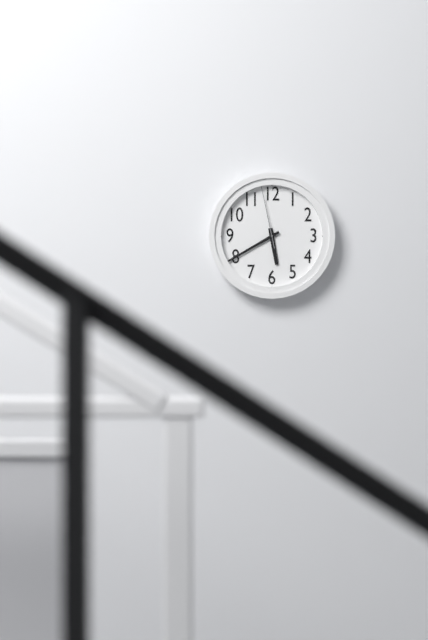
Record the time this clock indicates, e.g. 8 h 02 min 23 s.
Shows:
5 h 40 min 58 s
